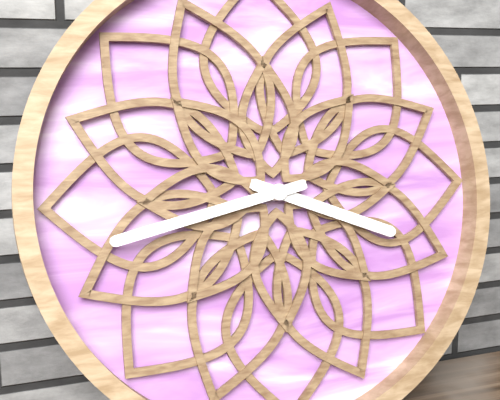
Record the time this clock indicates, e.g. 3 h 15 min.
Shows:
3 h 43 min
